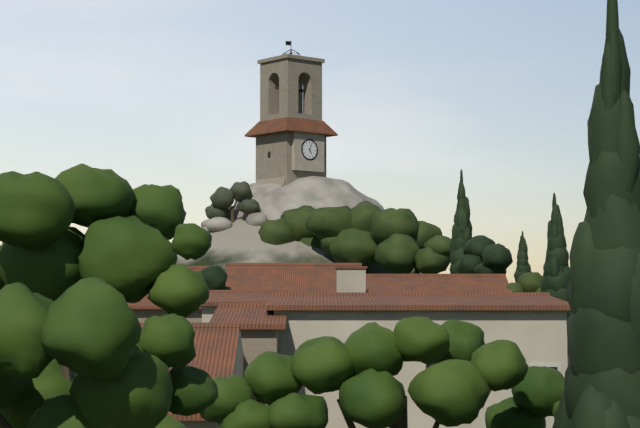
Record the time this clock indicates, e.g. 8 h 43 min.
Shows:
5 h 03 min
